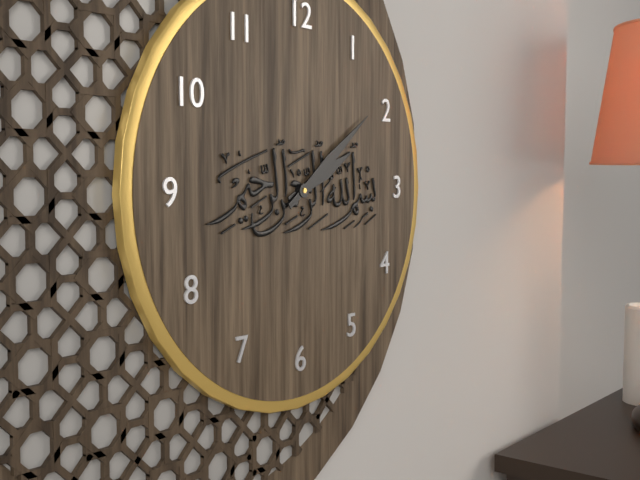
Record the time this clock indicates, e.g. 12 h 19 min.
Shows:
2 h 09 min
